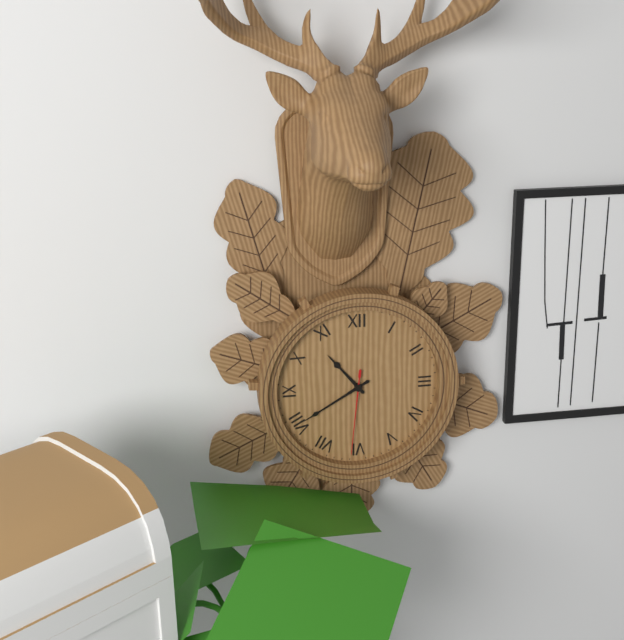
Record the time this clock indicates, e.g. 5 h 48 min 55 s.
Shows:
10 h 40 min 31 s
